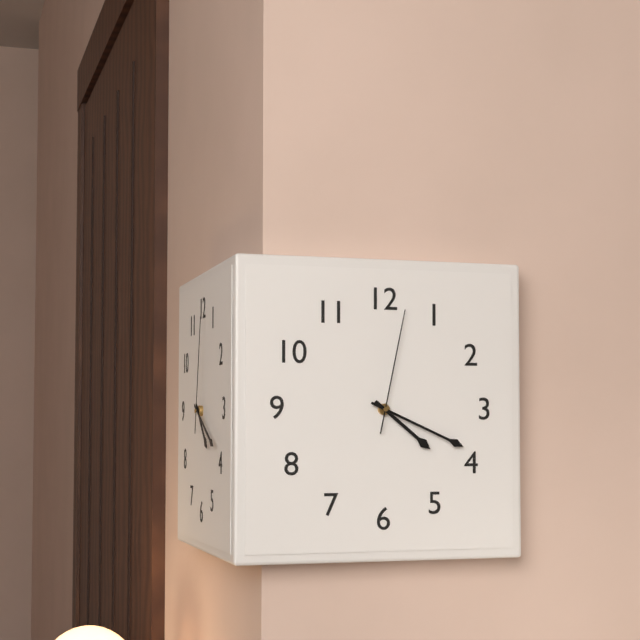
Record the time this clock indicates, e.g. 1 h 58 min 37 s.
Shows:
4 h 19 min 02 s
